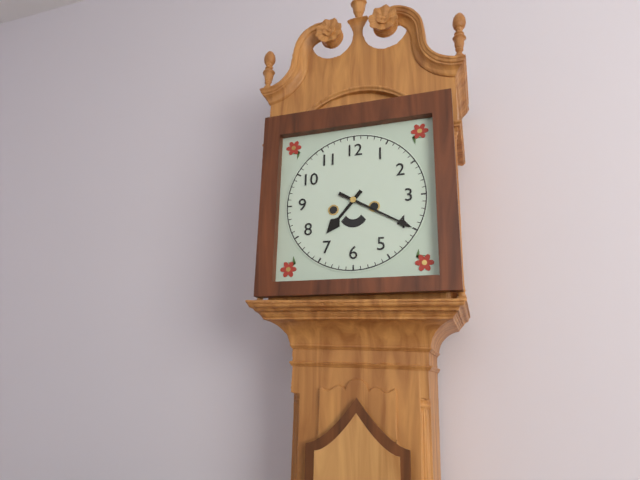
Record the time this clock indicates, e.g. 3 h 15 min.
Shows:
7 h 20 min
